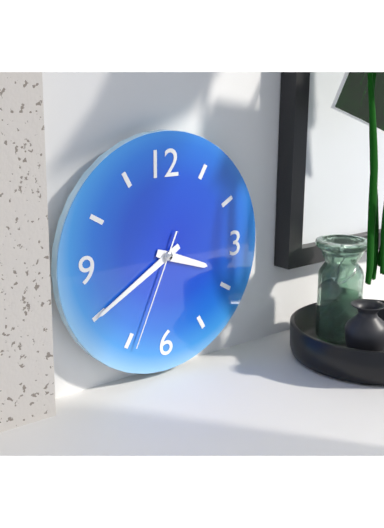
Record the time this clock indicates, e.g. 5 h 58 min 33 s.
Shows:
3 h 40 min 34 s
